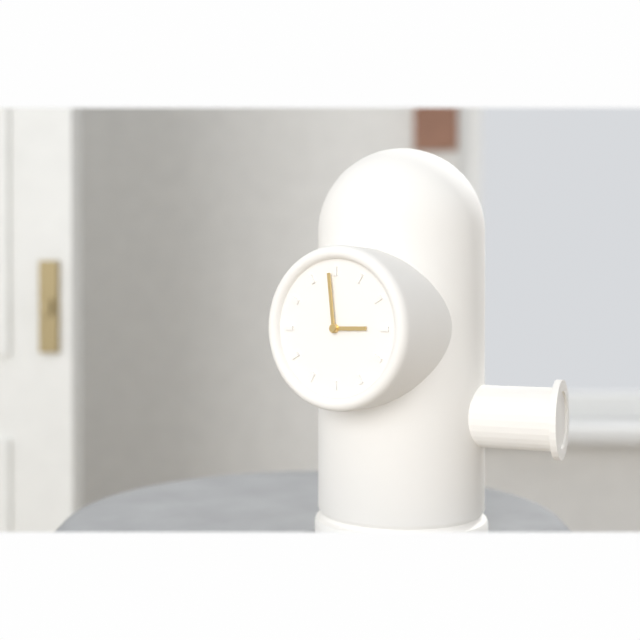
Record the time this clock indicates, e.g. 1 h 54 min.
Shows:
2 h 59 min
